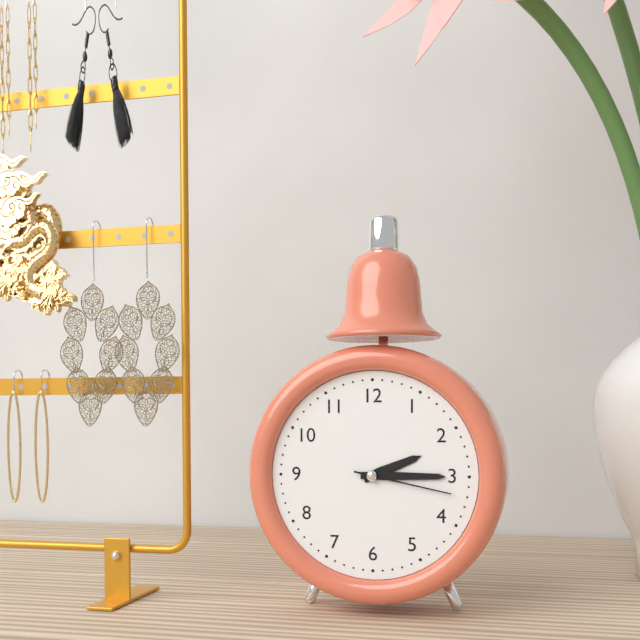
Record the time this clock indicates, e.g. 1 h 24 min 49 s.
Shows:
2 h 15 min 17 s
